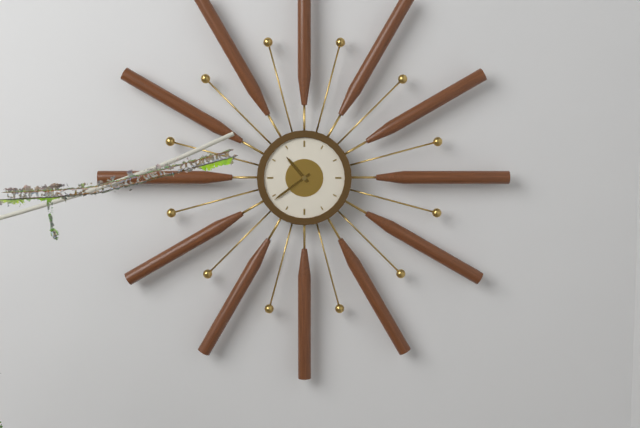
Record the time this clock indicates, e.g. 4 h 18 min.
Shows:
10 h 39 min
